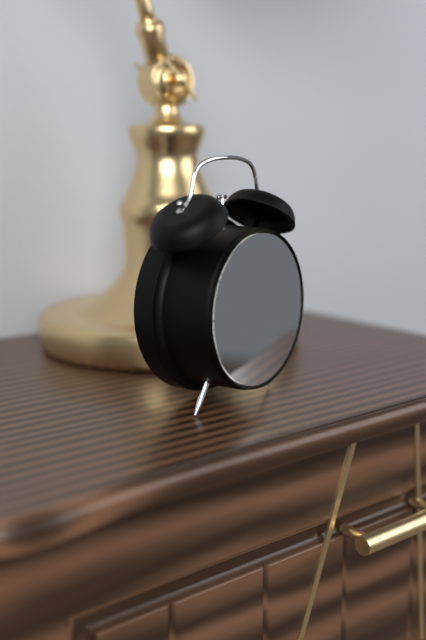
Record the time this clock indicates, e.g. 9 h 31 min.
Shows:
2 h 04 min
